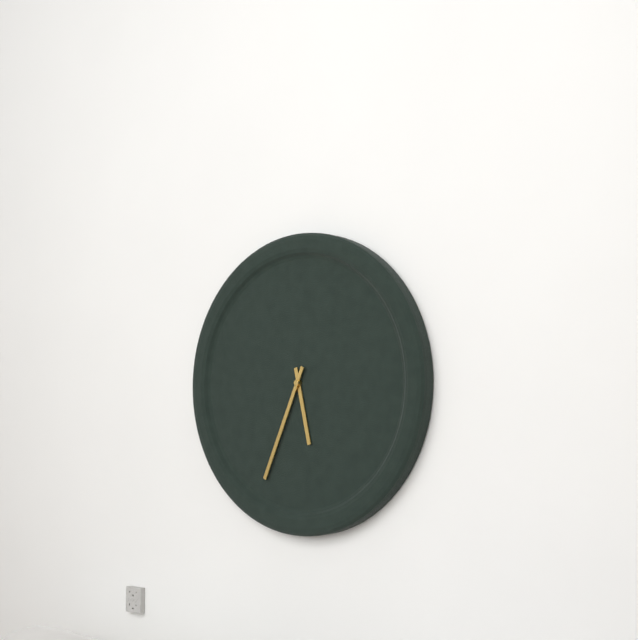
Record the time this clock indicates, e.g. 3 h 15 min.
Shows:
5 h 34 min
